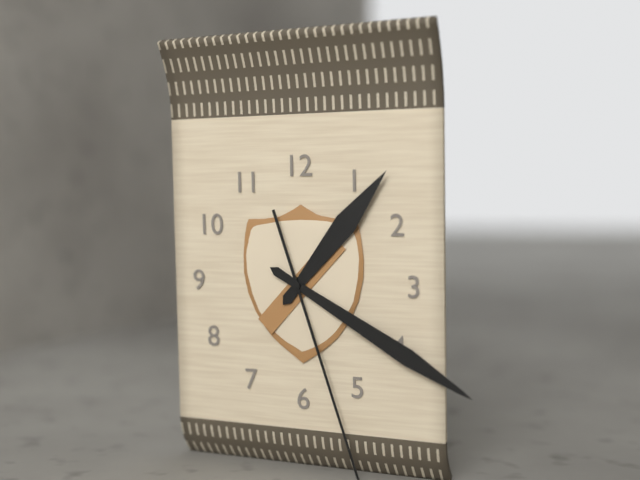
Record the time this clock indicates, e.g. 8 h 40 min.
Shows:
1 h 20 min
